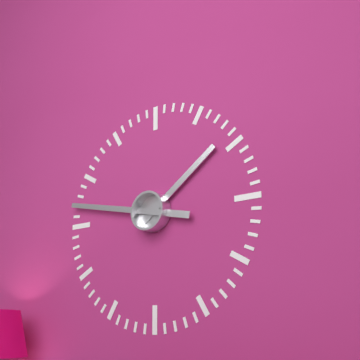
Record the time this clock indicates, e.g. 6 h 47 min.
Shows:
1 h 47 min
